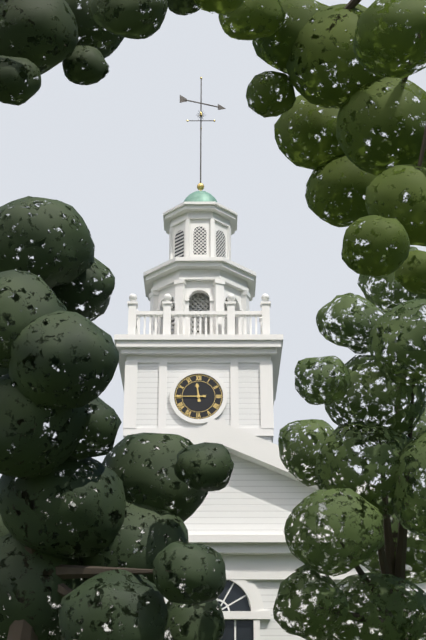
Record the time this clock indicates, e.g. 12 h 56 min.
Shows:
11 h 45 min
